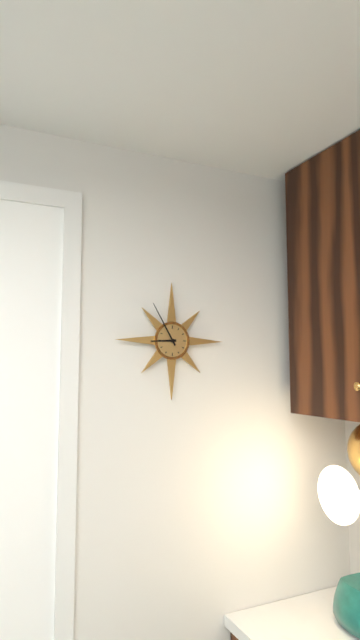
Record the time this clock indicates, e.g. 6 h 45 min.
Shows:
8 h 55 min
